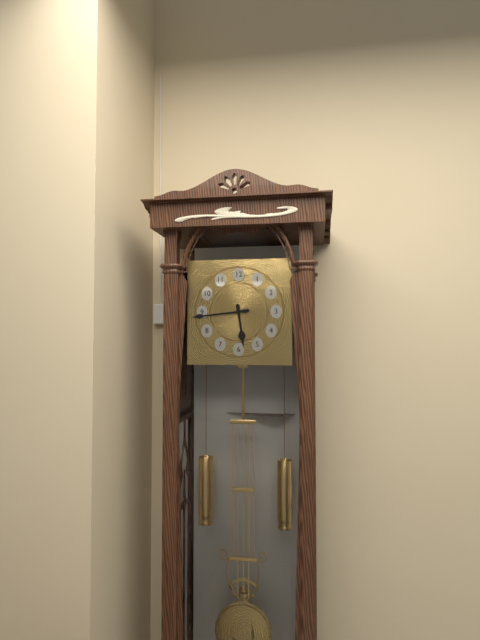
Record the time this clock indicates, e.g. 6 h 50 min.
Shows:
5 h 44 min
